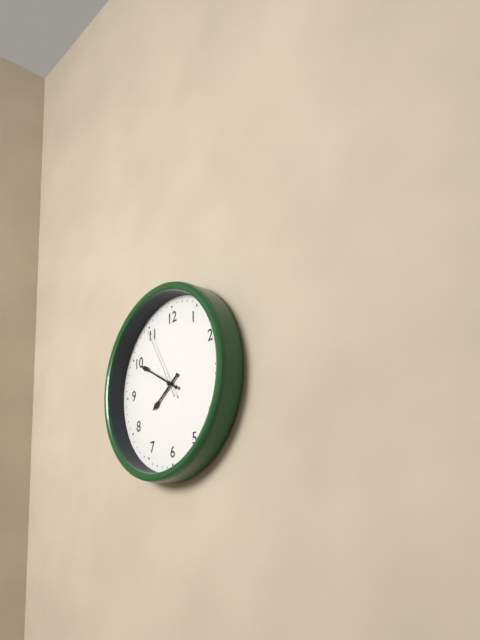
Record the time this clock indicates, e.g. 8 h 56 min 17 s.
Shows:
7 h 50 min 55 s
